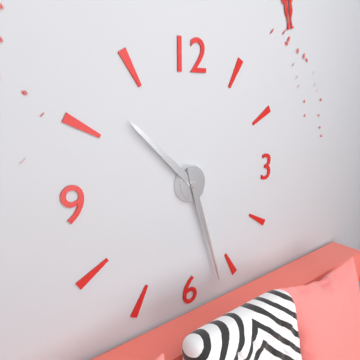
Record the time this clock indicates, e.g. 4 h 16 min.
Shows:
10 h 27 min
